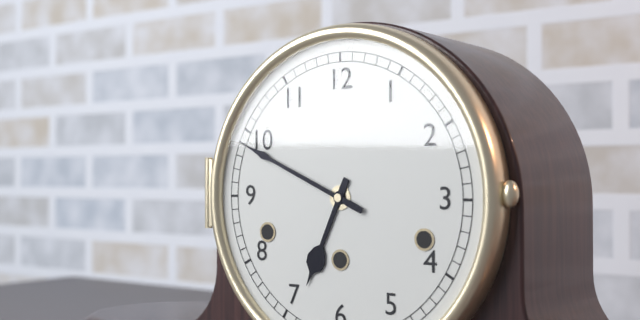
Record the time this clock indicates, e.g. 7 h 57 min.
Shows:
6 h 49 min
